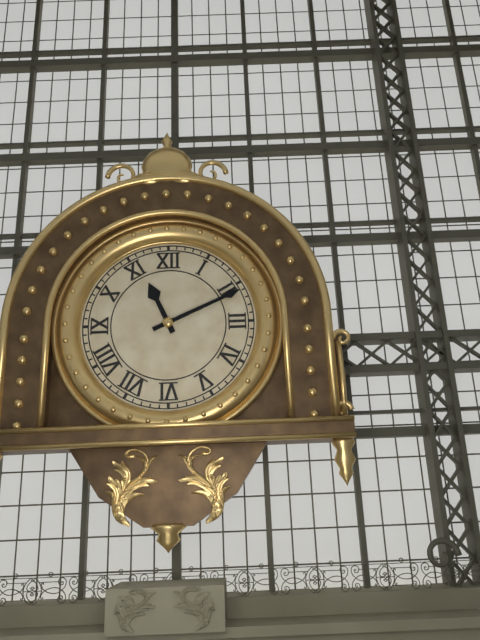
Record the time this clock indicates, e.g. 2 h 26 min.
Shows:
11 h 11 min
